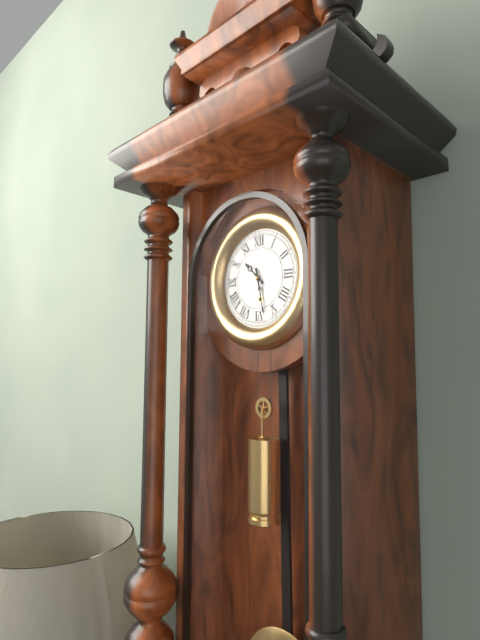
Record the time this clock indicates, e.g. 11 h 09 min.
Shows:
10 h 28 min
